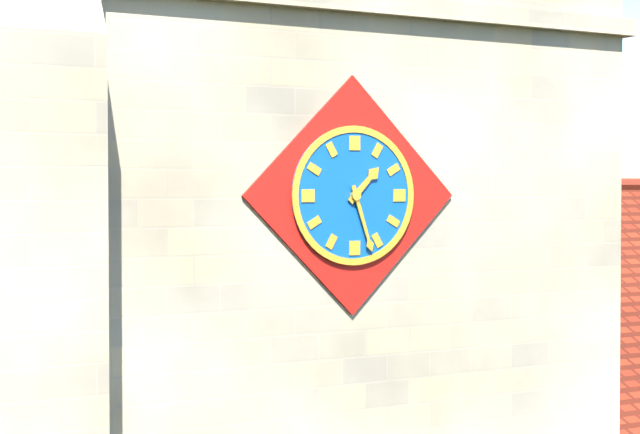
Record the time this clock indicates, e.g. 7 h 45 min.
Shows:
1 h 27 min
